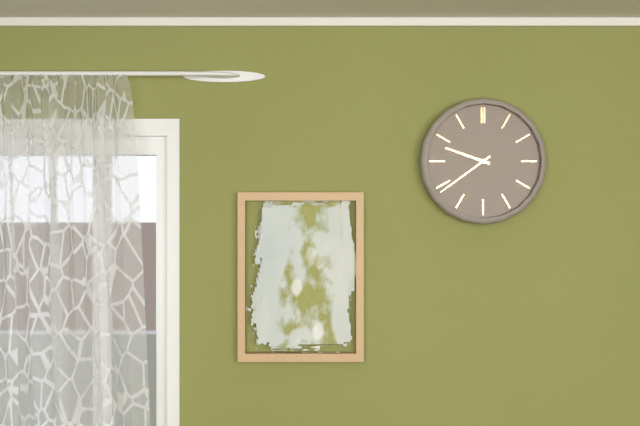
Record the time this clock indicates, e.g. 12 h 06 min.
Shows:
9 h 39 min
